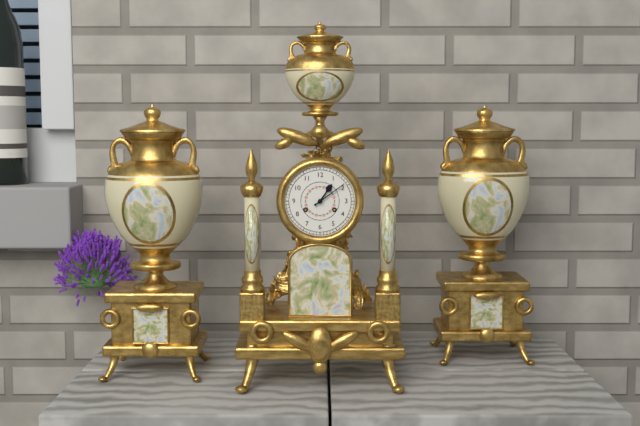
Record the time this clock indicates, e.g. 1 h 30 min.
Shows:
1 h 09 min
